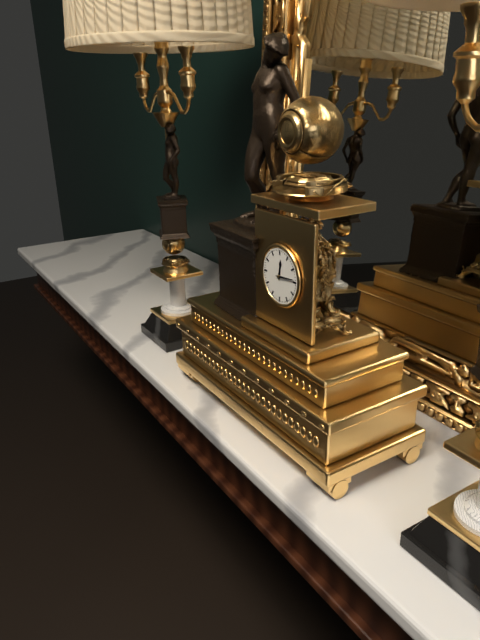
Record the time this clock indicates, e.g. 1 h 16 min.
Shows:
12 h 14 min
